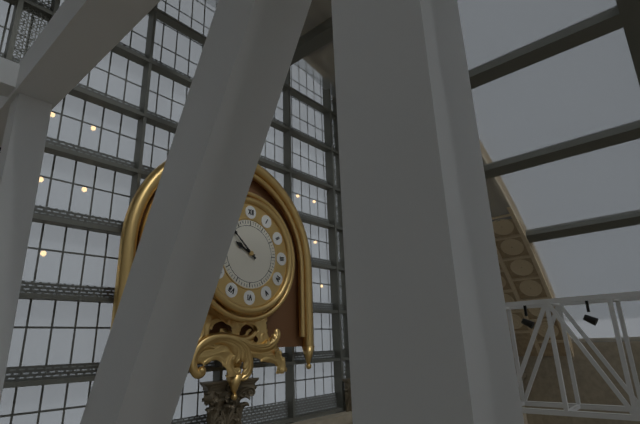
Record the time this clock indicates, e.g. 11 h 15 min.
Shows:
9 h 52 min
